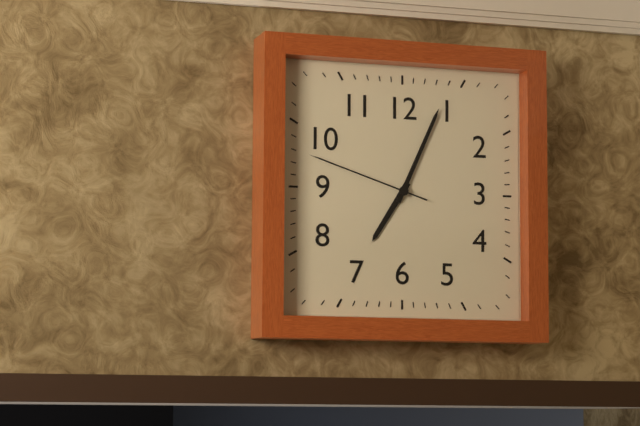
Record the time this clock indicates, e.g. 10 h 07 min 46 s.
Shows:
7 h 04 min 48 s
